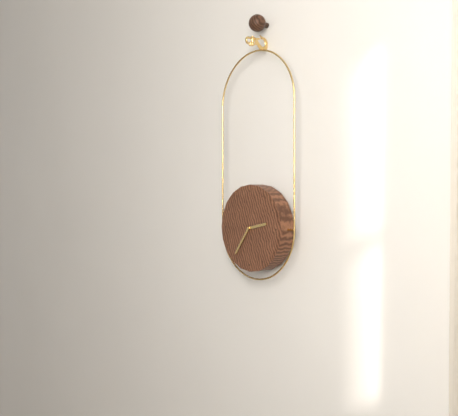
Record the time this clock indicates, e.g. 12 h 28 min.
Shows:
2 h 36 min
